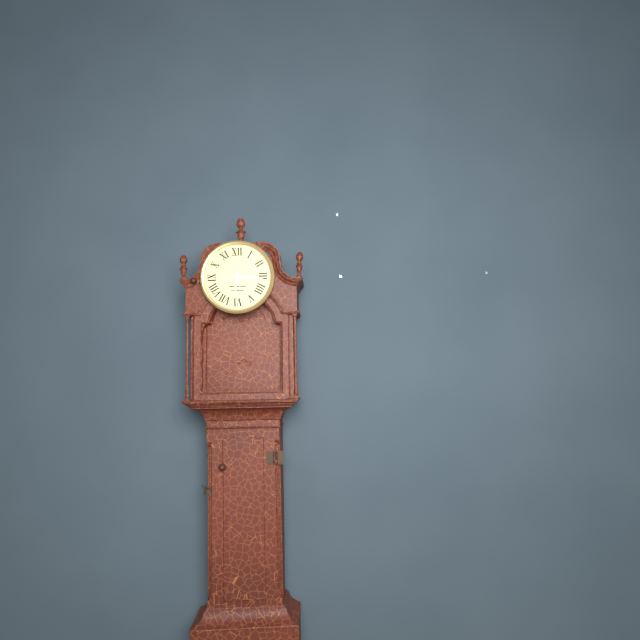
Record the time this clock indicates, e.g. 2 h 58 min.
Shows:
6 h 16 min
